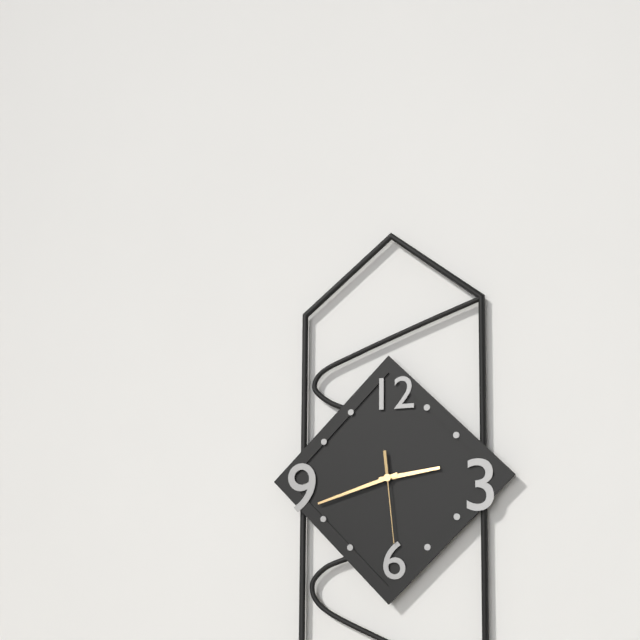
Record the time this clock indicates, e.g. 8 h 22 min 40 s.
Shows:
2 h 42 min 29 s
